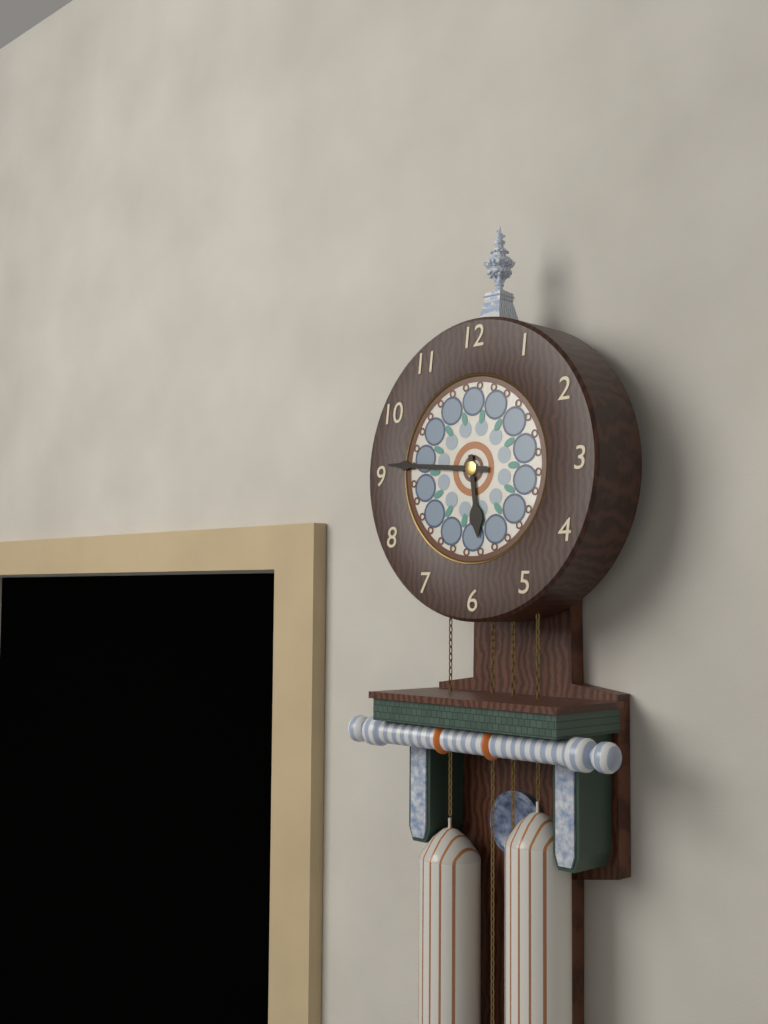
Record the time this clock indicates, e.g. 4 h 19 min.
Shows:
5 h 46 min
